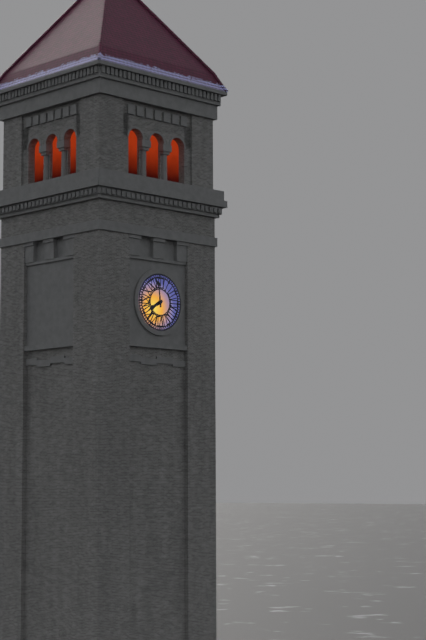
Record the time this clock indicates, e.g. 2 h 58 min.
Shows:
7 h 59 min
